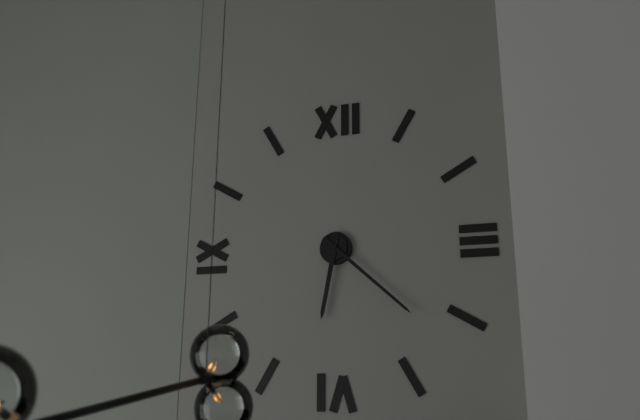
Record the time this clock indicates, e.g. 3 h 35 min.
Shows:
6 h 22 min
